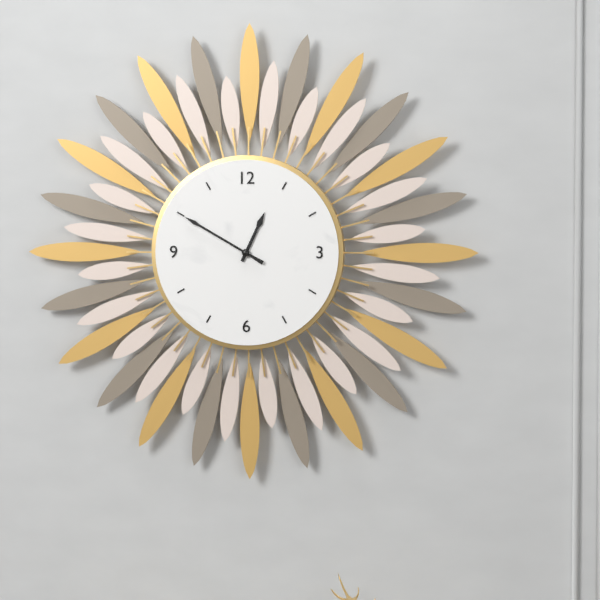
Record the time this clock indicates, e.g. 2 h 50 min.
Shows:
12 h 50 min
